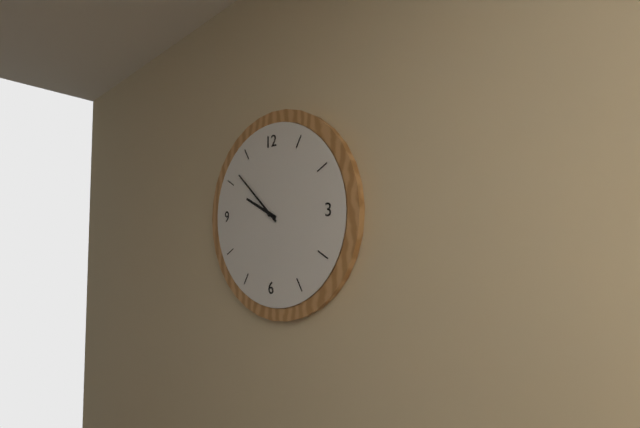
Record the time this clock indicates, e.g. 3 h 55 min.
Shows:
9 h 52 min
